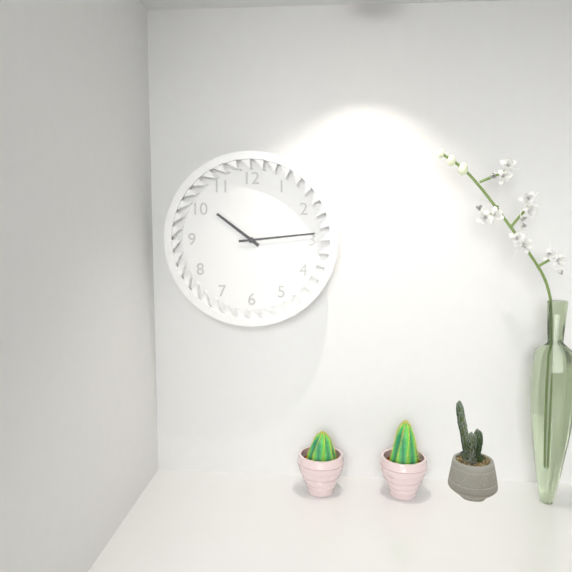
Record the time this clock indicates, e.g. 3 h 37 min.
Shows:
10 h 14 min
